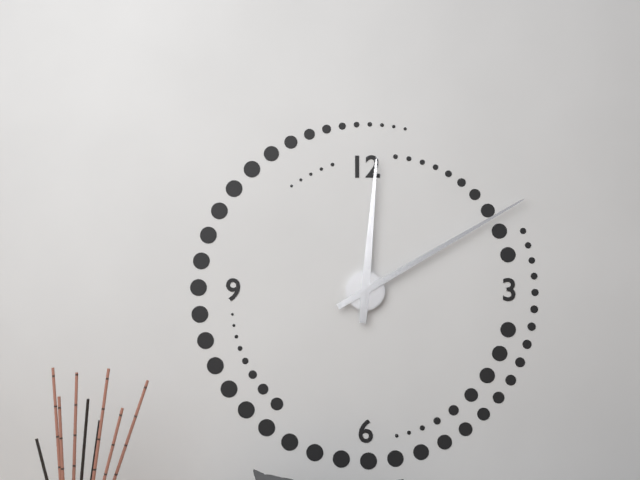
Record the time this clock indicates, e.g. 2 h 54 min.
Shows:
12 h 10 min
